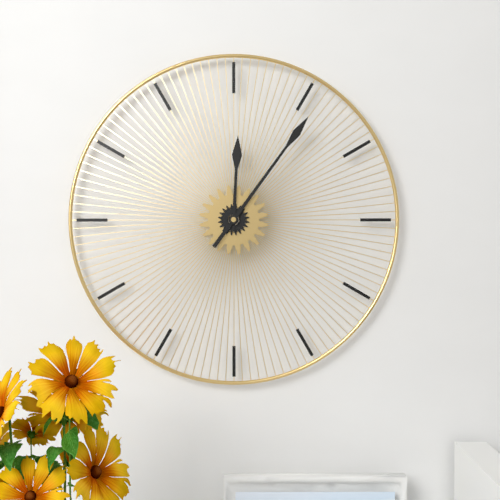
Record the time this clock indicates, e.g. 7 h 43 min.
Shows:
12 h 06 min
